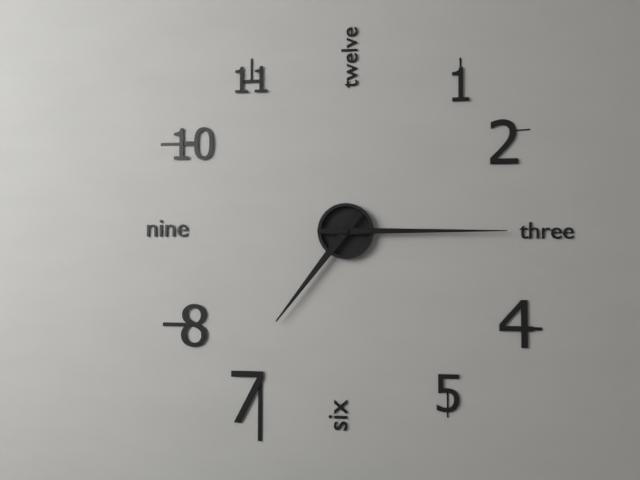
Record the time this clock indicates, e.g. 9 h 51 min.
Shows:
7 h 15 min
